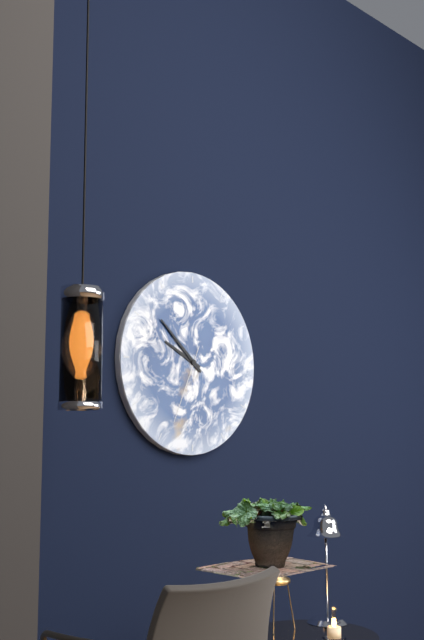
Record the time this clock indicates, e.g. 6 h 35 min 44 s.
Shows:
9 h 52 min 34 s
